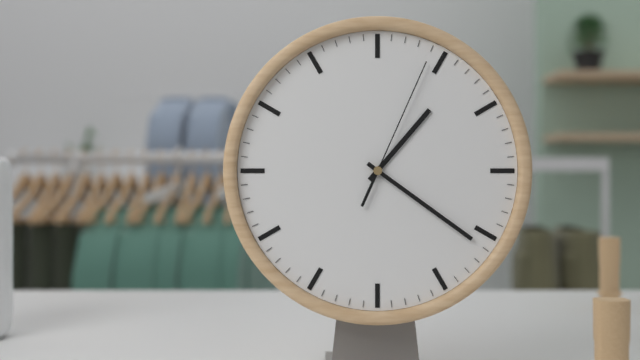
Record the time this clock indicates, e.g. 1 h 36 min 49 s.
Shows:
1 h 21 min 04 s
